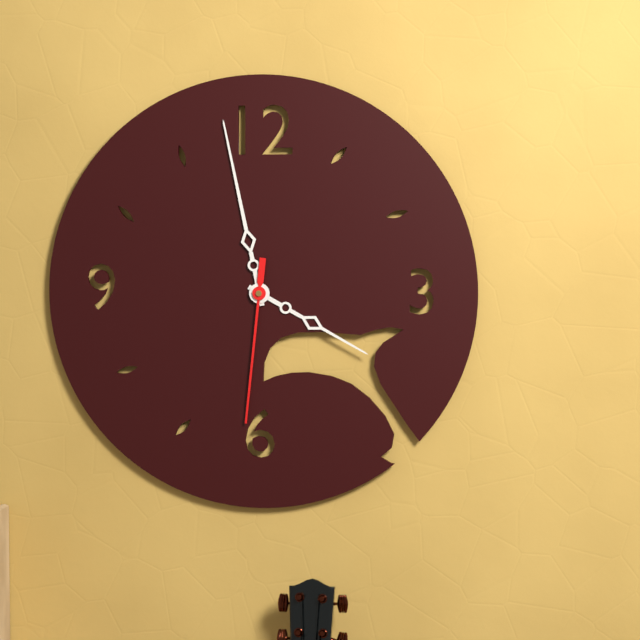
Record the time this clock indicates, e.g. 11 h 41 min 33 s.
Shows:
3 h 58 min 31 s
